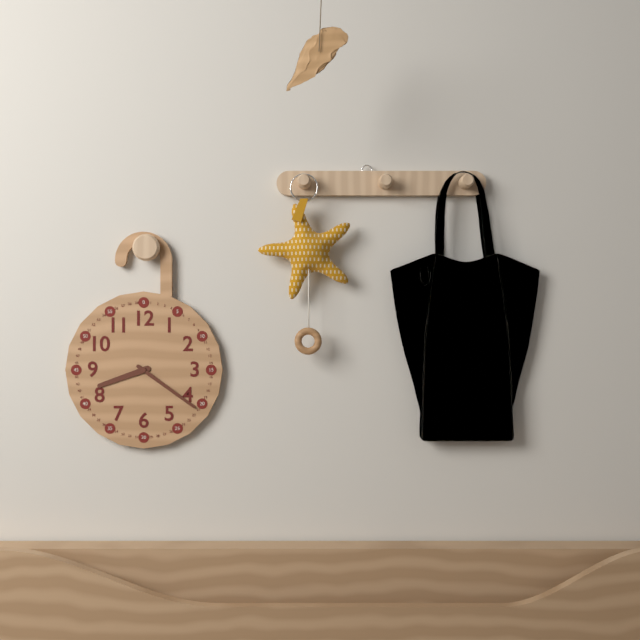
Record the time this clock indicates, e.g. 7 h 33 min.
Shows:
8 h 21 min
